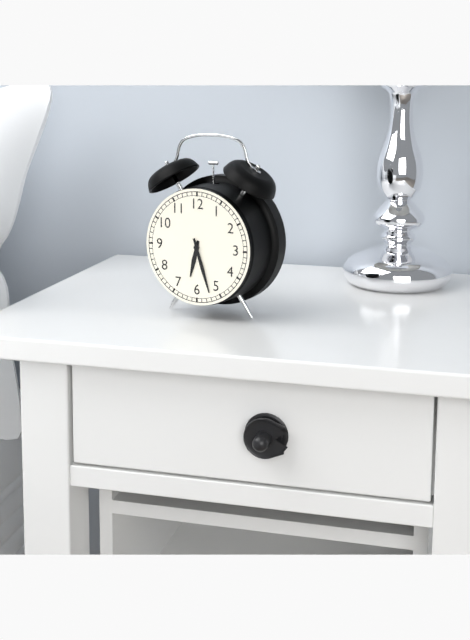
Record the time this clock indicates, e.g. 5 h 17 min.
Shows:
6 h 27 min
